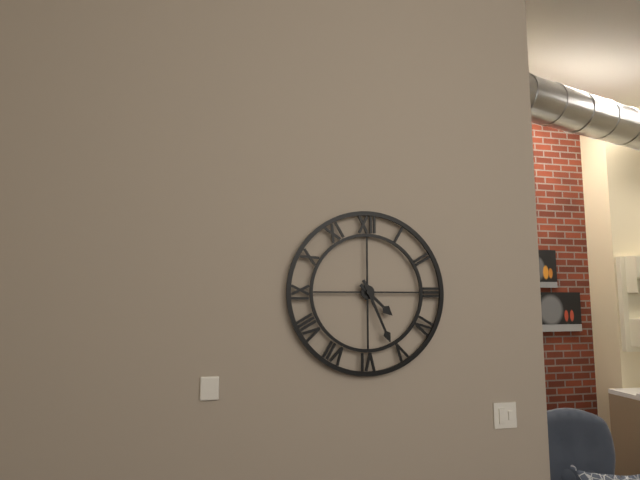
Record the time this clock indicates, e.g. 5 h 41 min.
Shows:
4 h 26 min
